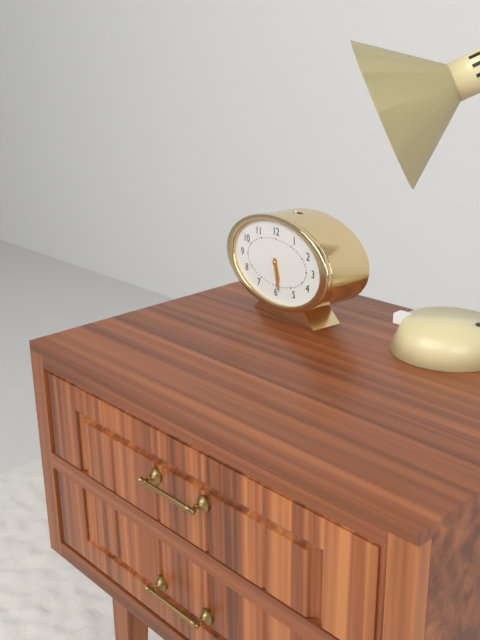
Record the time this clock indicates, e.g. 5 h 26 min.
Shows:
5 h 28 min
